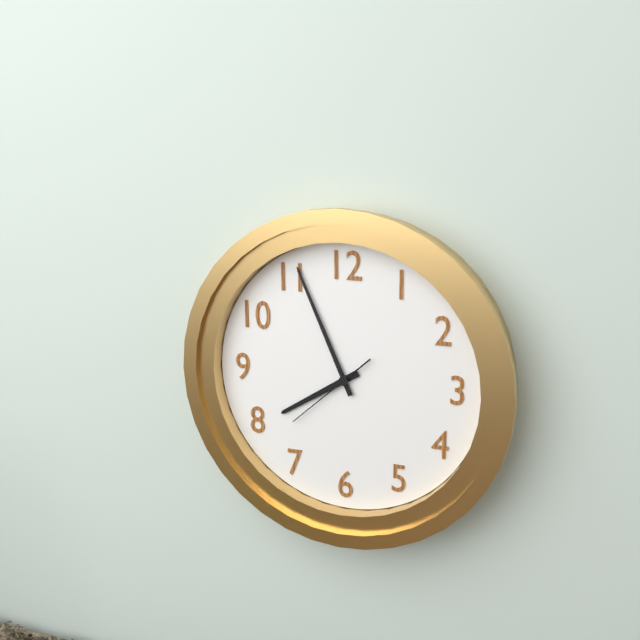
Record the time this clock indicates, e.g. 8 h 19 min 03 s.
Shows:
7 h 56 min 38 s
